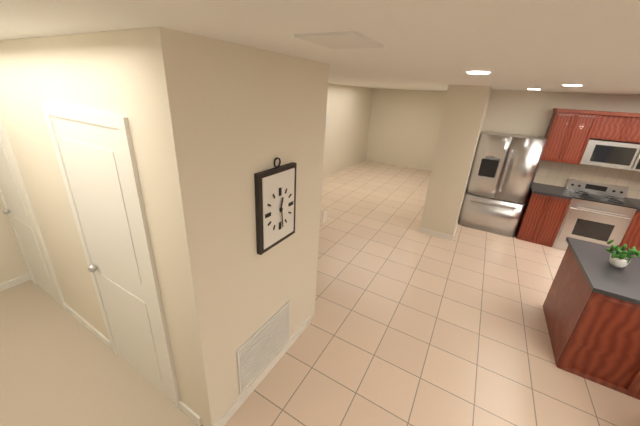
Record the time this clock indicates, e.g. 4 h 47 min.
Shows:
12 h 29 min
